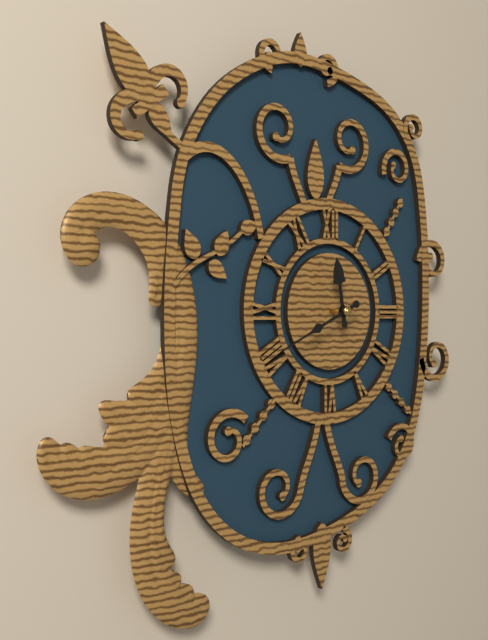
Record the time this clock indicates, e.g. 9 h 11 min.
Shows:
11 h 41 min
